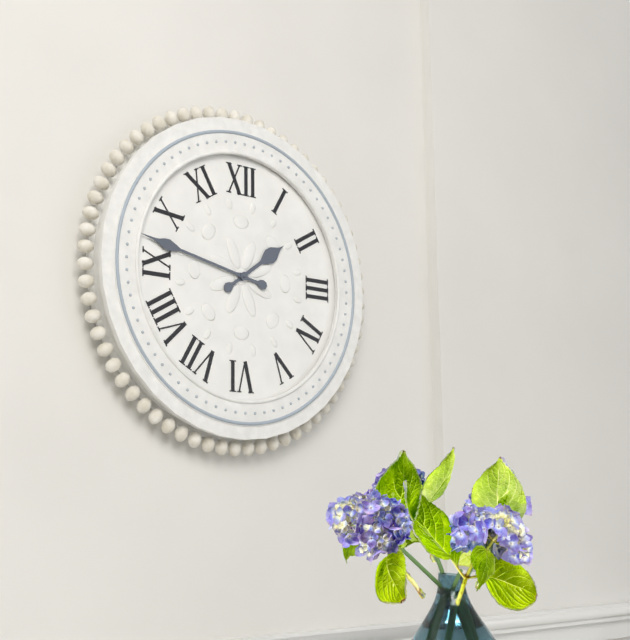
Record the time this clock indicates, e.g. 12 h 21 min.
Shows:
1 h 47 min
